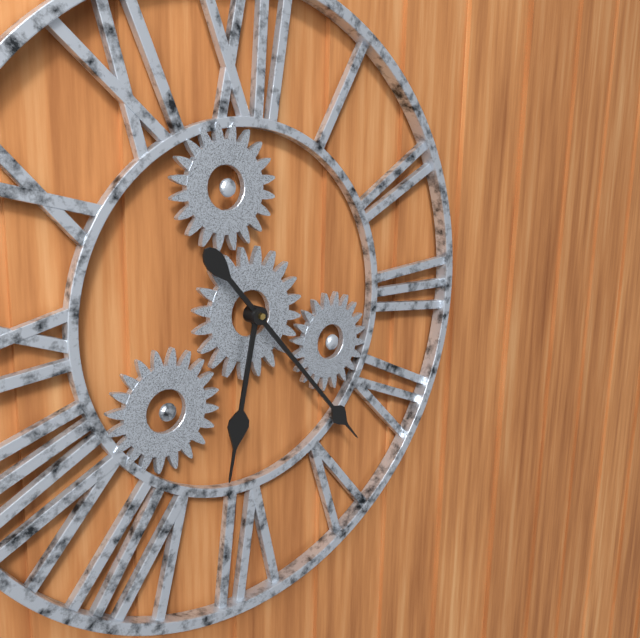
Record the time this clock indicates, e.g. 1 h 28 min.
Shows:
6 h 23 min
